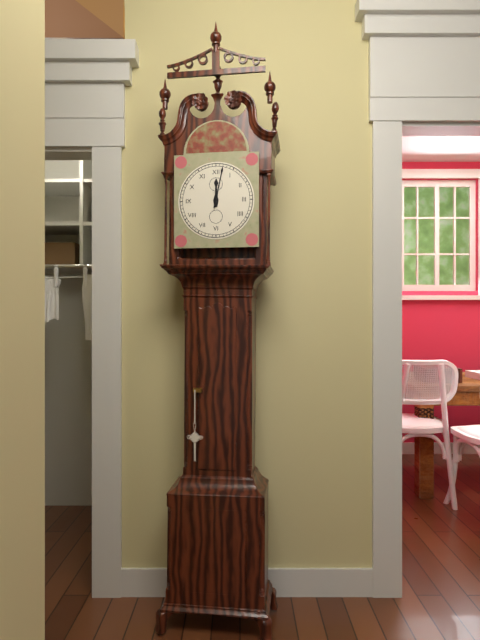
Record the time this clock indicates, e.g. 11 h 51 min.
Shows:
12 h 02 min
